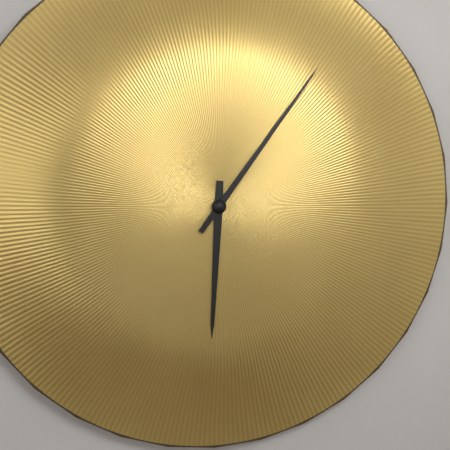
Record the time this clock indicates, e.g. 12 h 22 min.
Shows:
6 h 06 min
